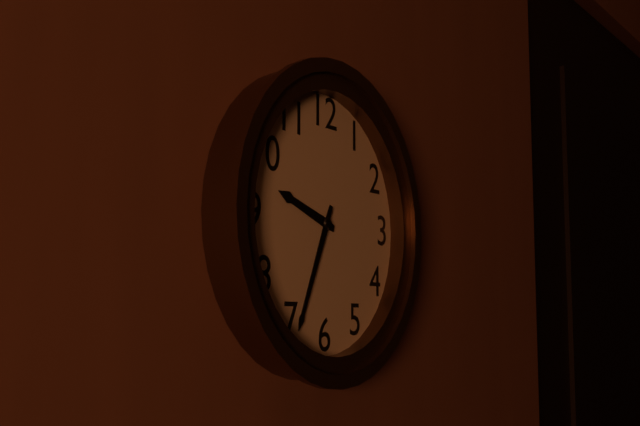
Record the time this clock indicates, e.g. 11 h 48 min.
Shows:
9 h 34 min
